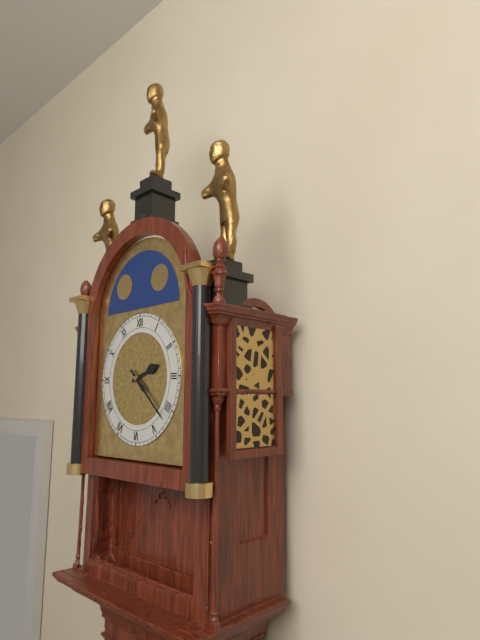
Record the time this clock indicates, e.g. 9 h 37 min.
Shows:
2 h 22 min
